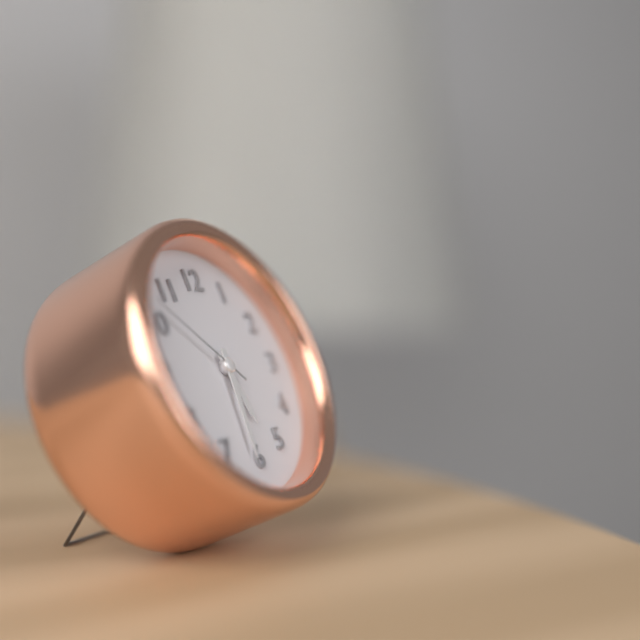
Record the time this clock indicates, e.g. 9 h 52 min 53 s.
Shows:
5 h 31 min 52 s
